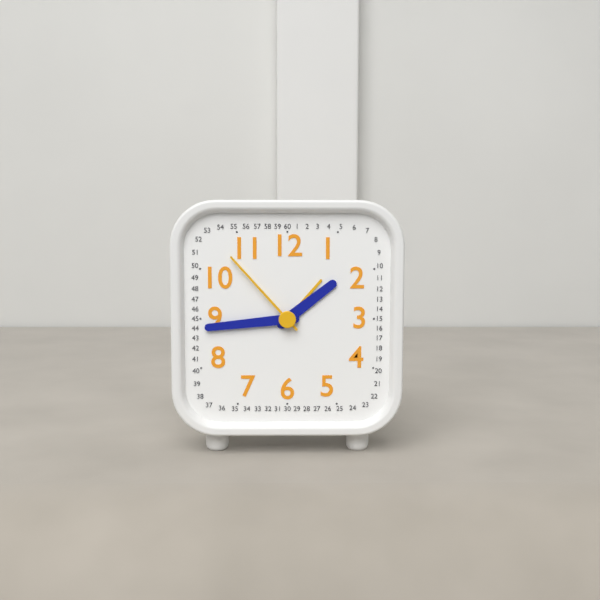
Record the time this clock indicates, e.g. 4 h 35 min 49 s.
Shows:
1 h 44 min 53 s
